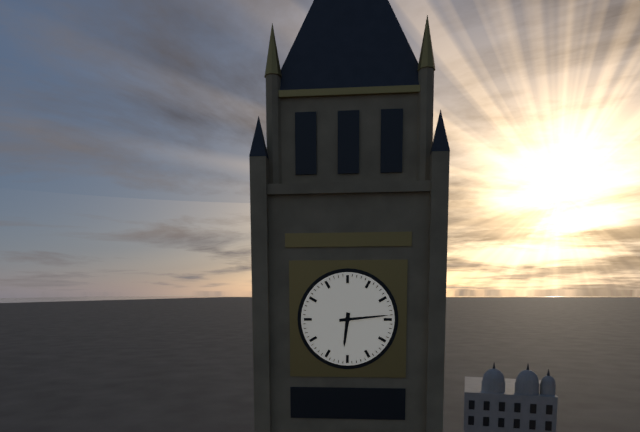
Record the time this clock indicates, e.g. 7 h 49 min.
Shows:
6 h 14 min
